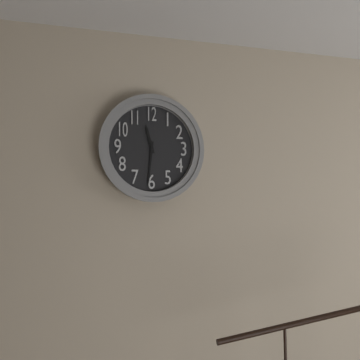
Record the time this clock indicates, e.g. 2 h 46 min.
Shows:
11 h 31 min
